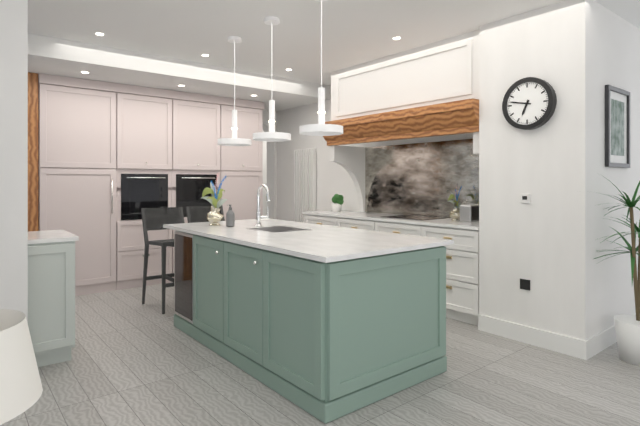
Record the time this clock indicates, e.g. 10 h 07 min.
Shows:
6 h 47 min
